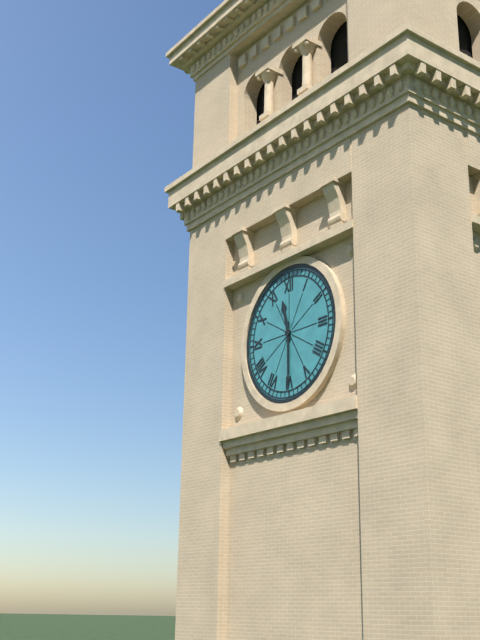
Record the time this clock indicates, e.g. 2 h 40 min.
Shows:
11 h 30 min
